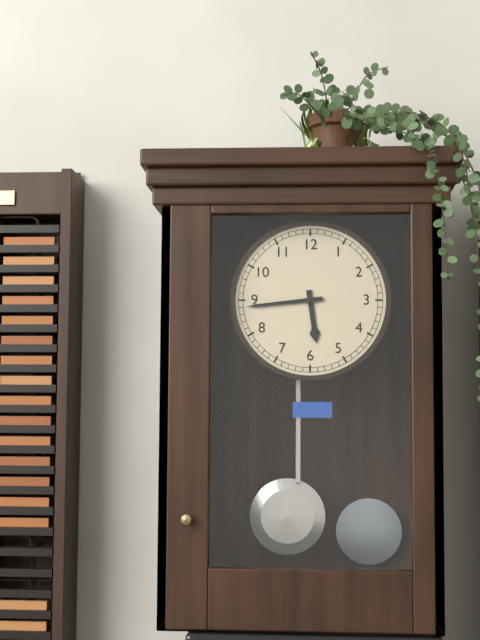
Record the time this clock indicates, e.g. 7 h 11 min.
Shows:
5 h 44 min
